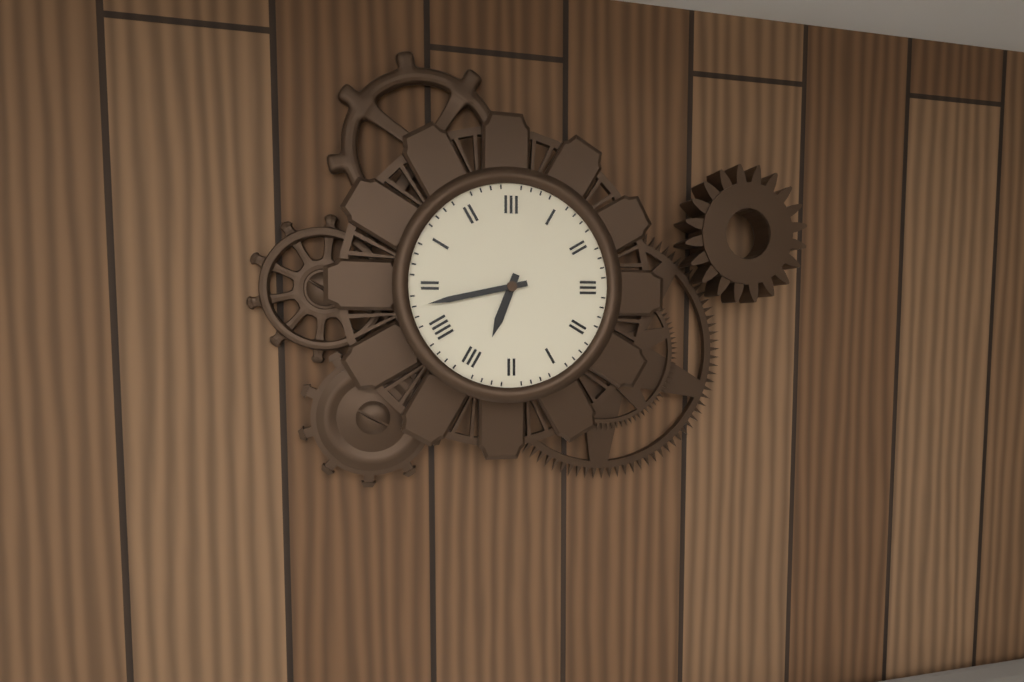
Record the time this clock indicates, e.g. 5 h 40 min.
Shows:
6 h 43 min
